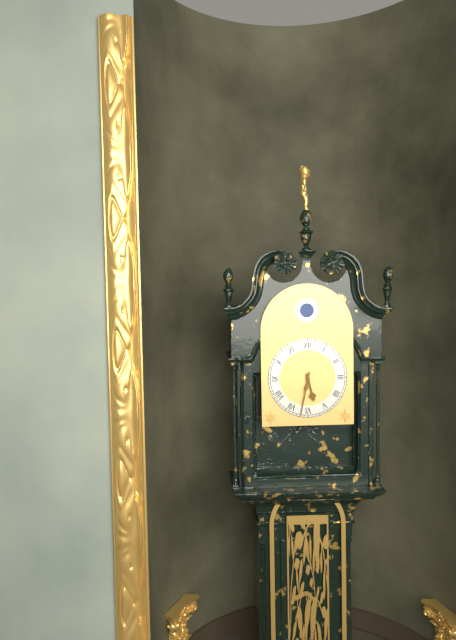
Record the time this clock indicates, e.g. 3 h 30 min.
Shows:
5 h 32 min
